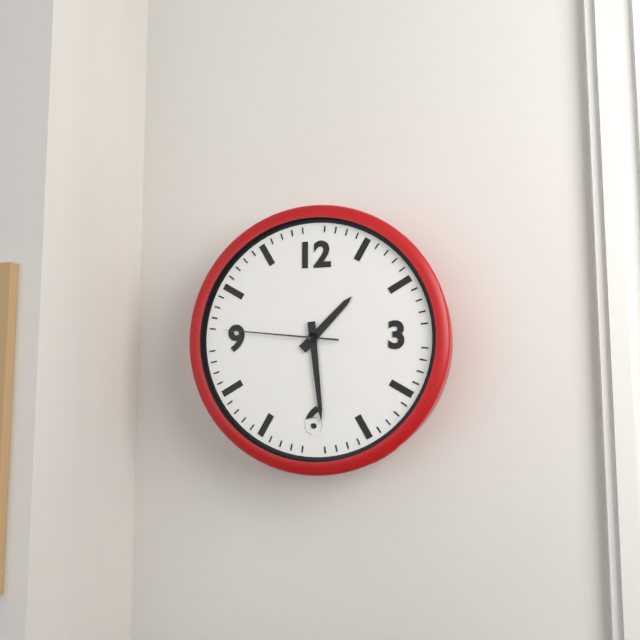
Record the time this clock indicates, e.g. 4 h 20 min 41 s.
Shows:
1 h 29 min 46 s
